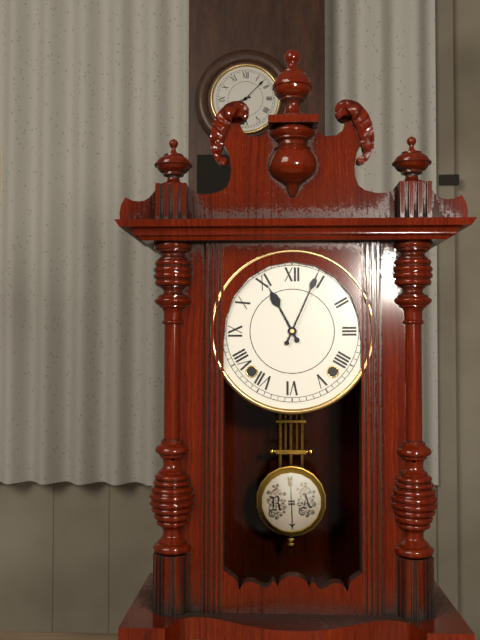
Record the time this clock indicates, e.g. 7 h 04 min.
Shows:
11 h 04 min
